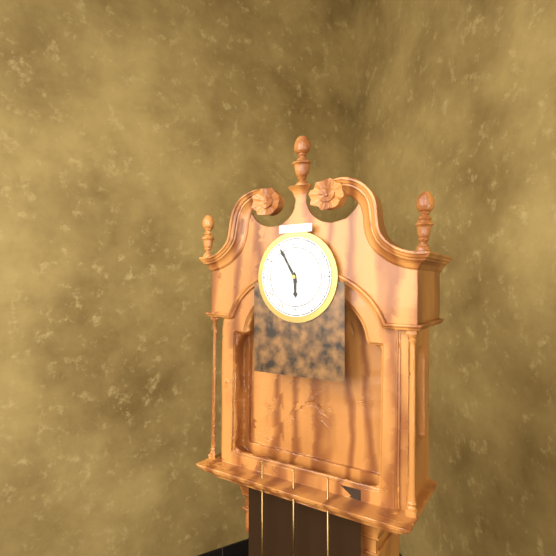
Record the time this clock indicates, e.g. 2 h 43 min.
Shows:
5 h 55 min
